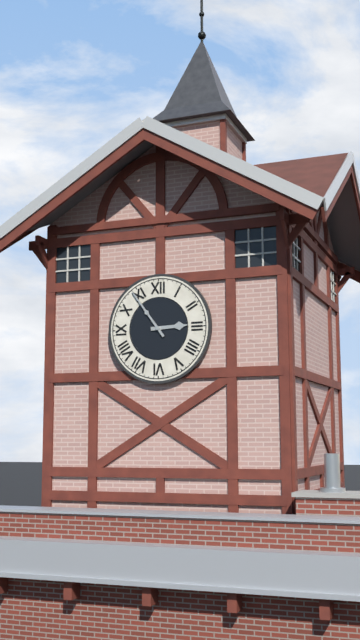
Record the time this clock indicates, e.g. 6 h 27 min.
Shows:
2 h 54 min
